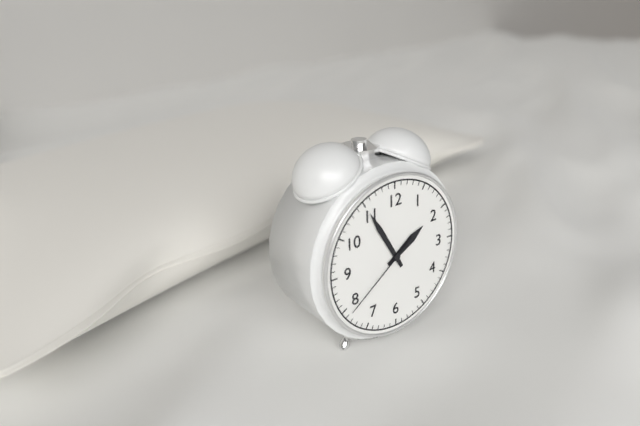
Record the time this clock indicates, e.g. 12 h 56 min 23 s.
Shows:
1 h 55 min 39 s
